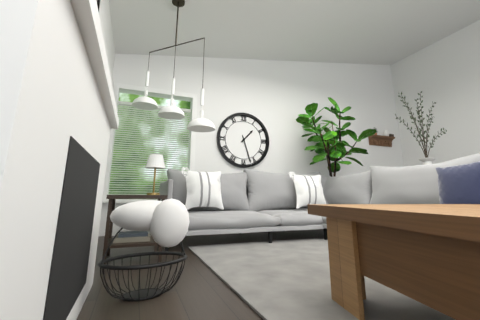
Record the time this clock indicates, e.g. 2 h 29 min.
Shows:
1 h 27 min
